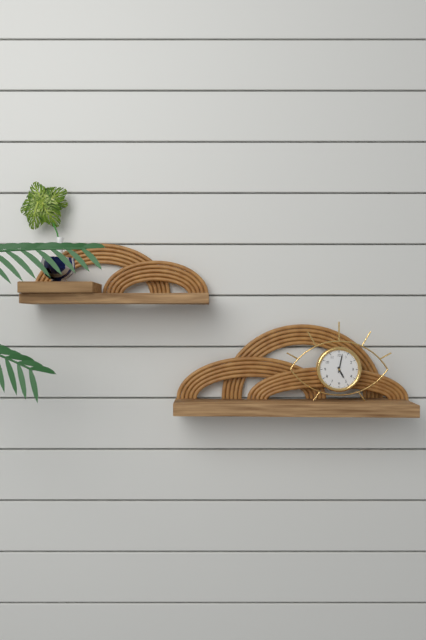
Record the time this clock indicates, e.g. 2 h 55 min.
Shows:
5 h 02 min
